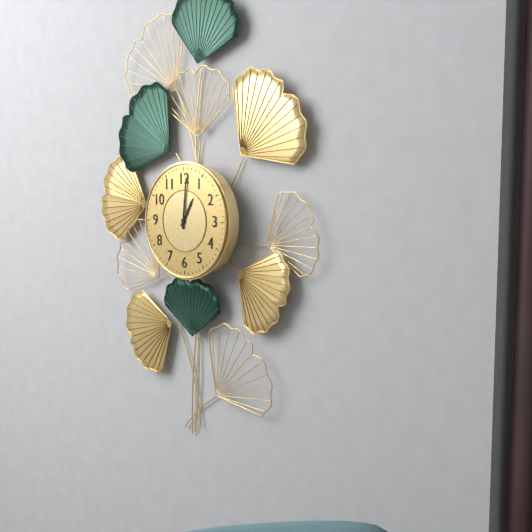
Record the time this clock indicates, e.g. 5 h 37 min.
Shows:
1 h 01 min
